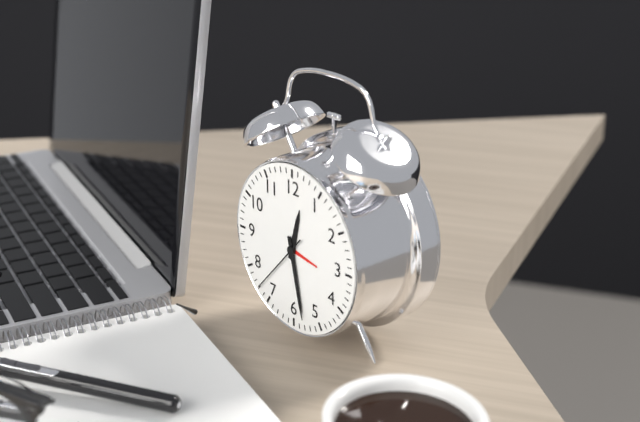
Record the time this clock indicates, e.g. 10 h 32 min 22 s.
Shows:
12 h 28 min 37 s
